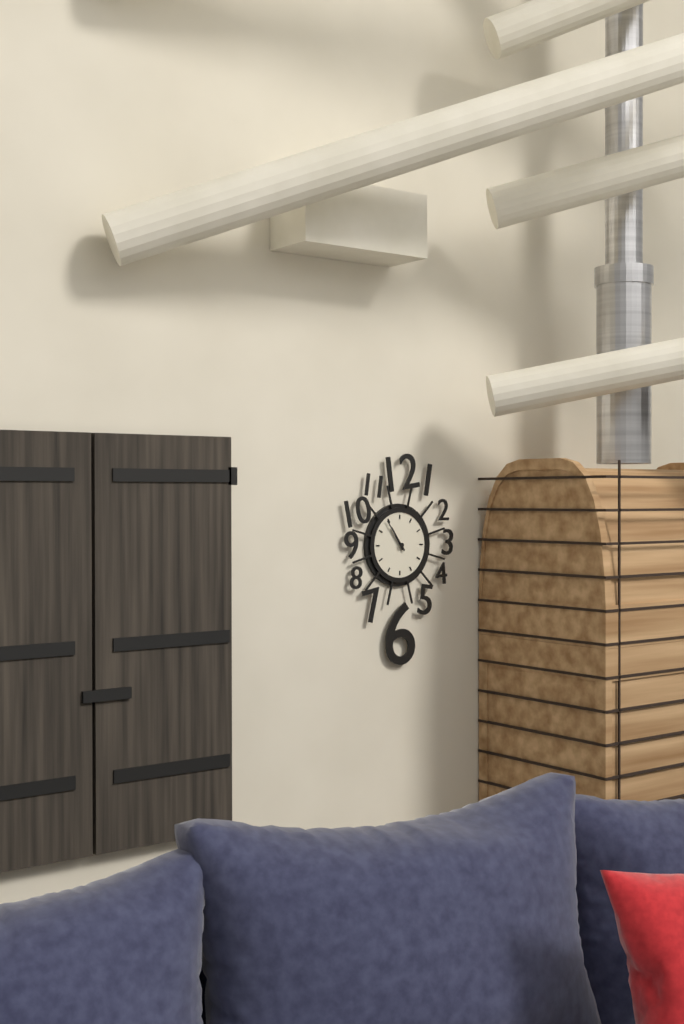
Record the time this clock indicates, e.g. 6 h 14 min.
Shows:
10 h 54 min
